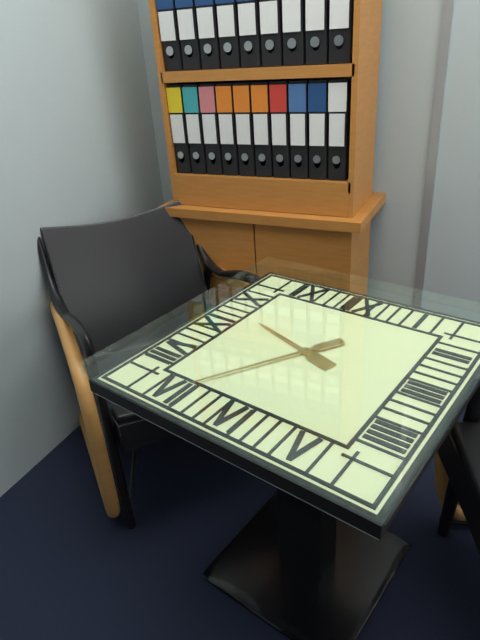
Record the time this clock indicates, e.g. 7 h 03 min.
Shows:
9 h 35 min
